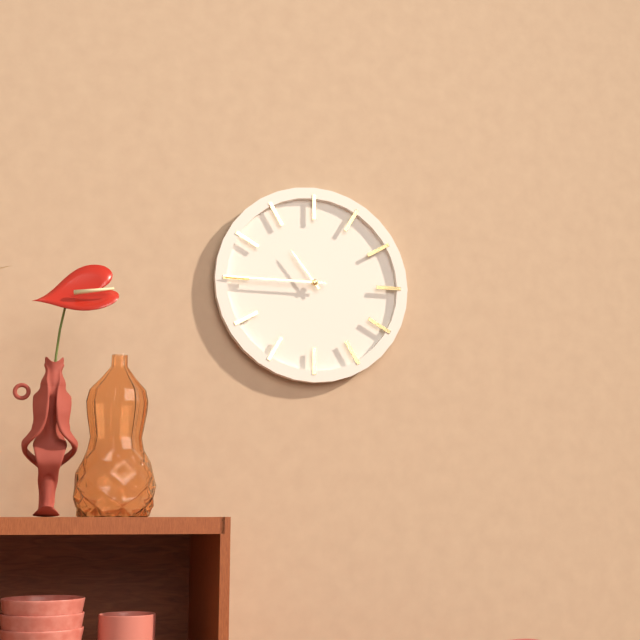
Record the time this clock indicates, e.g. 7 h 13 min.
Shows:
10 h 45 min
